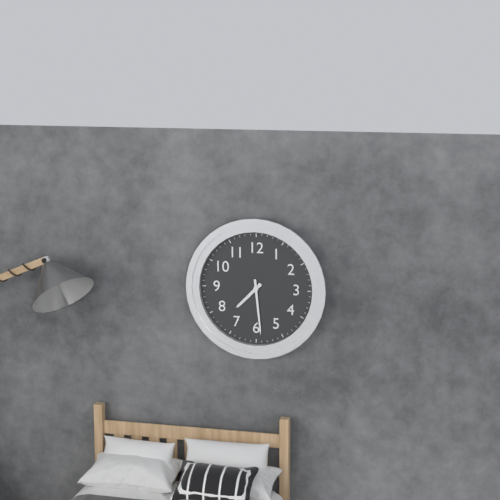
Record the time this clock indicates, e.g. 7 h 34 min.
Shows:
7 h 29 min
